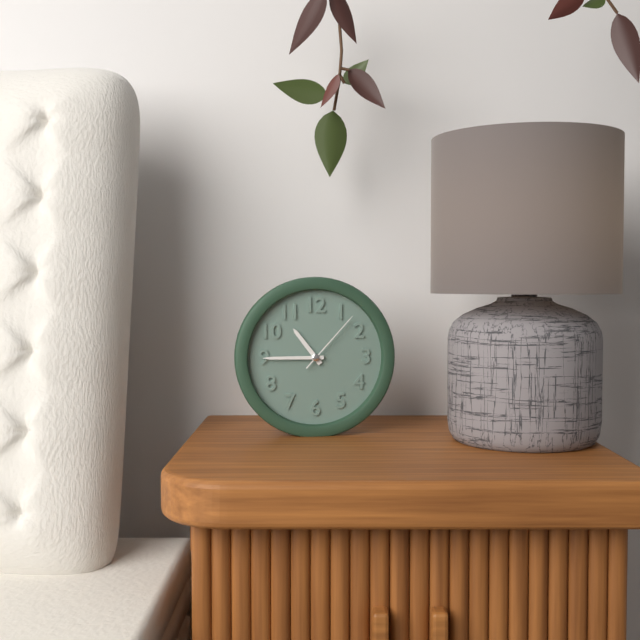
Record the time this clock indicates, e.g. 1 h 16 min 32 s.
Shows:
10 h 45 min 07 s
